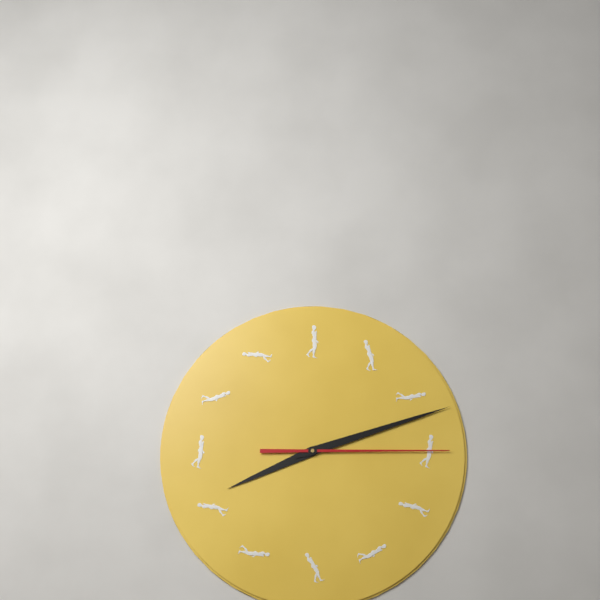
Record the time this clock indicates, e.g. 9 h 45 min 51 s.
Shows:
8 h 12 min 15 s
